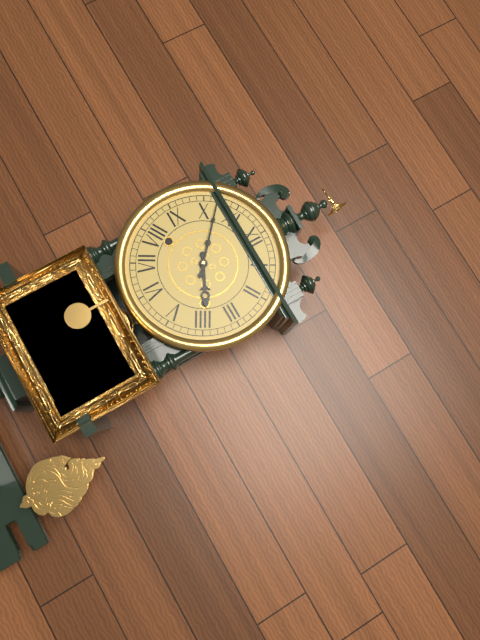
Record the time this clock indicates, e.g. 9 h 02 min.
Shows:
3 h 52 min
